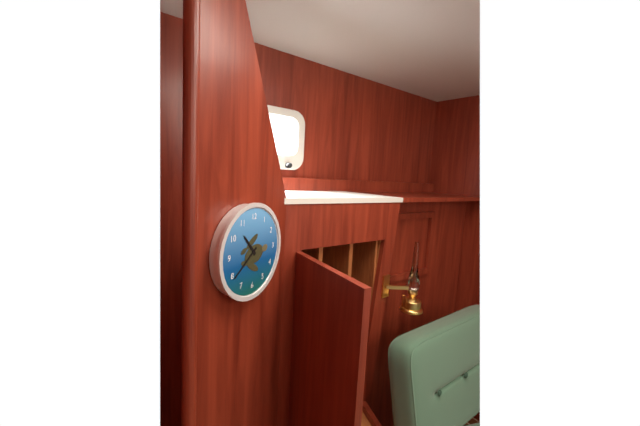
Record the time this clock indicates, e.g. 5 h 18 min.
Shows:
10 h 39 min
